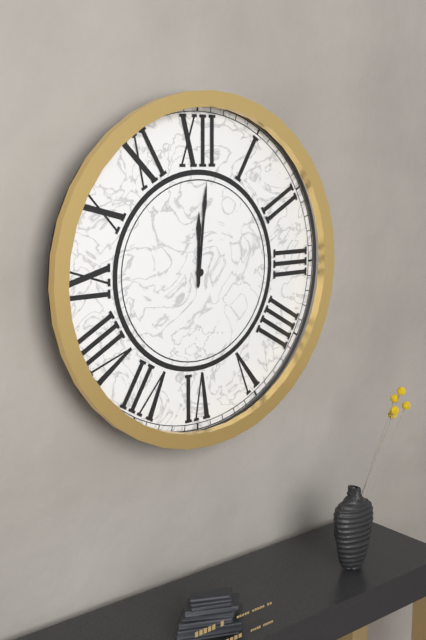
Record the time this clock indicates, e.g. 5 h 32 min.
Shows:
12 h 01 min
